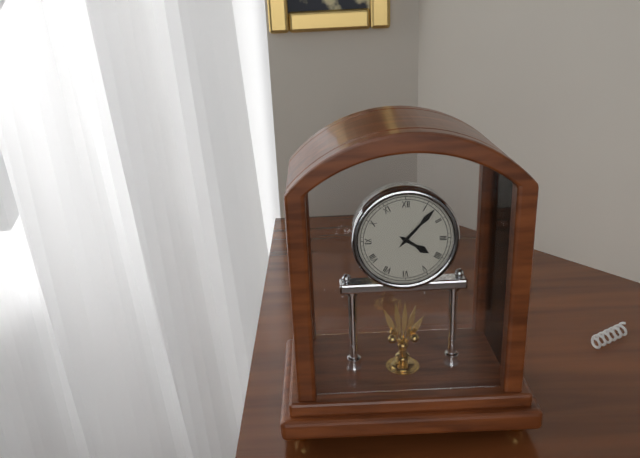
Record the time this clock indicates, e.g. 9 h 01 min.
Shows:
4 h 07 min
